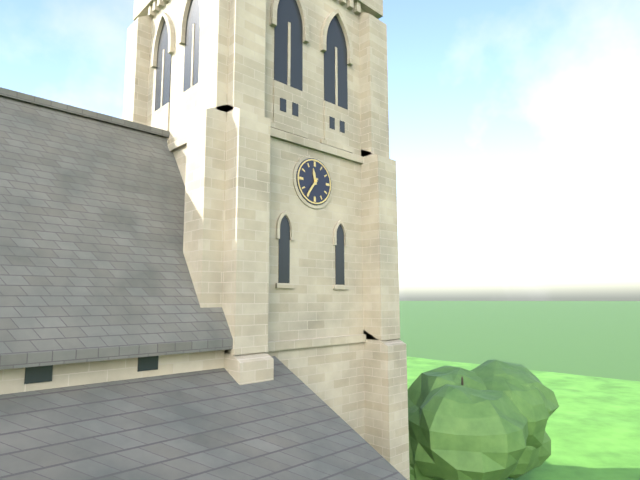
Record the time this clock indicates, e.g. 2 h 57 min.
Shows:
11 h 36 min
